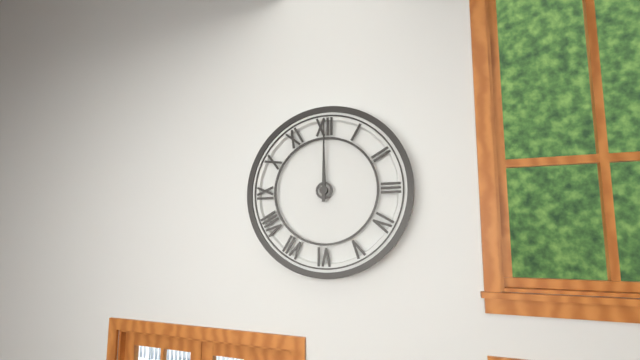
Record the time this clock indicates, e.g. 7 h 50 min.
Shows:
12 h 00 min
